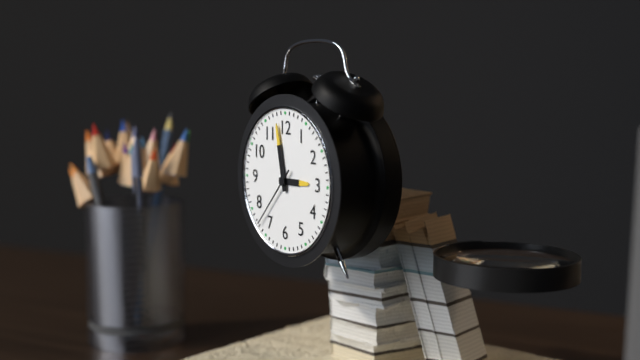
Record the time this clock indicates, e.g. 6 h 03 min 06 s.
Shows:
2 h 58 min 37 s
